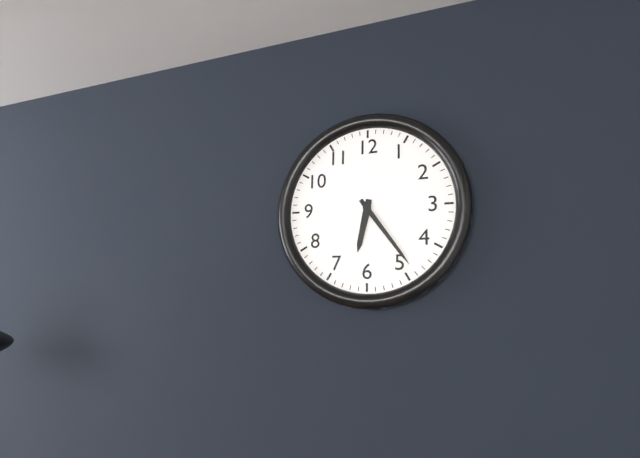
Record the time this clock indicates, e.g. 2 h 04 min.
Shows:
6 h 24 min
